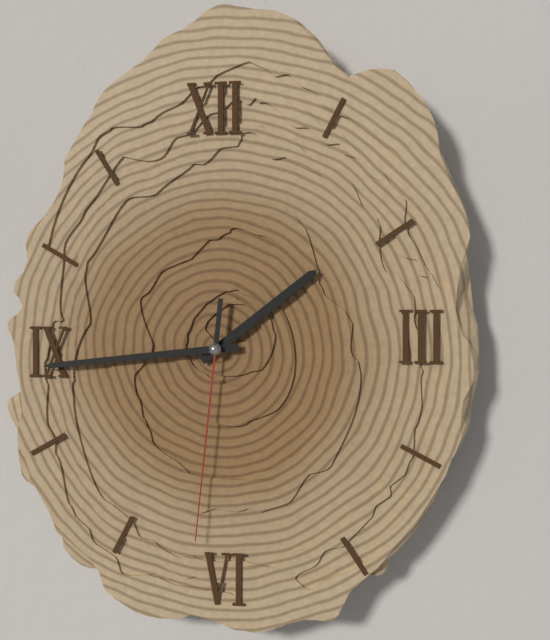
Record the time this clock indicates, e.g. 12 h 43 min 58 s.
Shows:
1 h 44 min 31 s
